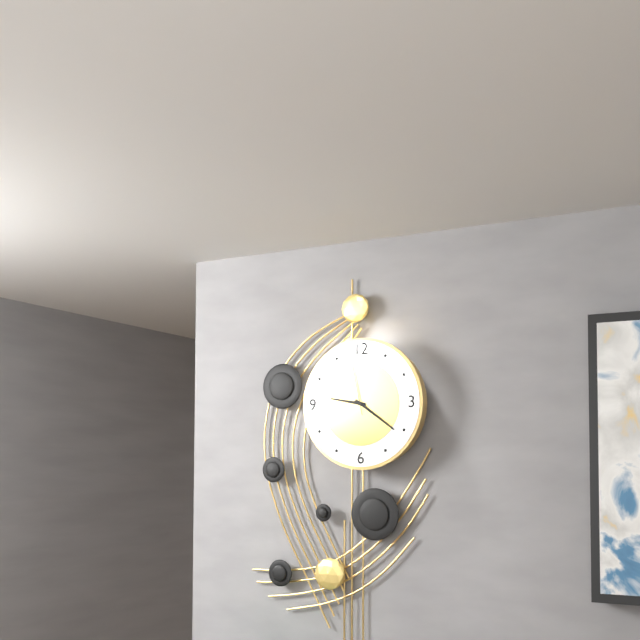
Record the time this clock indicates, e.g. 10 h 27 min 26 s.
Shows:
9 h 21 min 58 s
